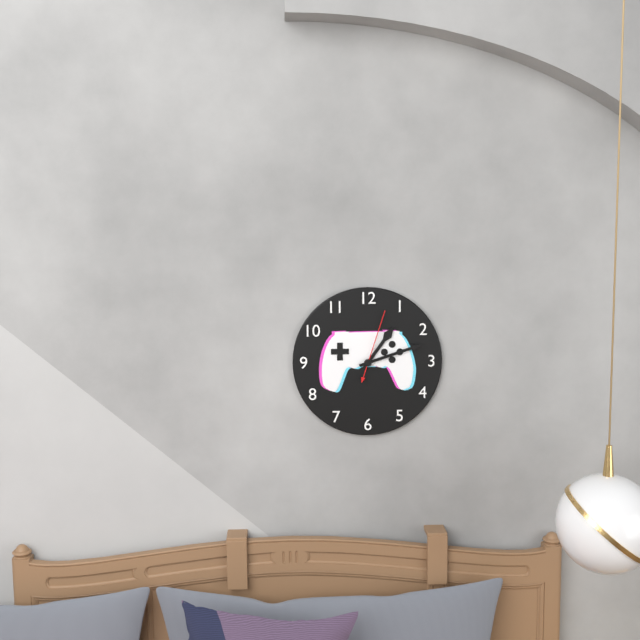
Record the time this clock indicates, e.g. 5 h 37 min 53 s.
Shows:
1 h 12 min 03 s
